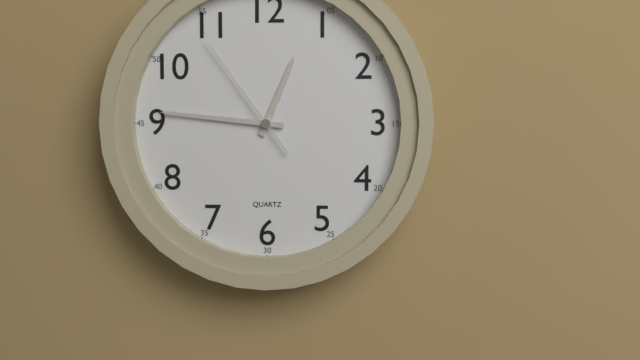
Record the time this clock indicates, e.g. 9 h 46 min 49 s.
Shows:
12 h 46 min 54 s
